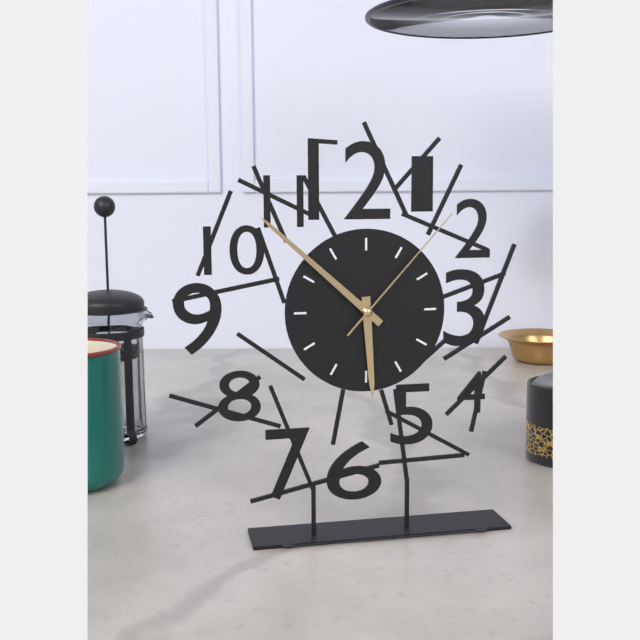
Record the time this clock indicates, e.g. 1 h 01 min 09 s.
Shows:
5 h 52 min 07 s
